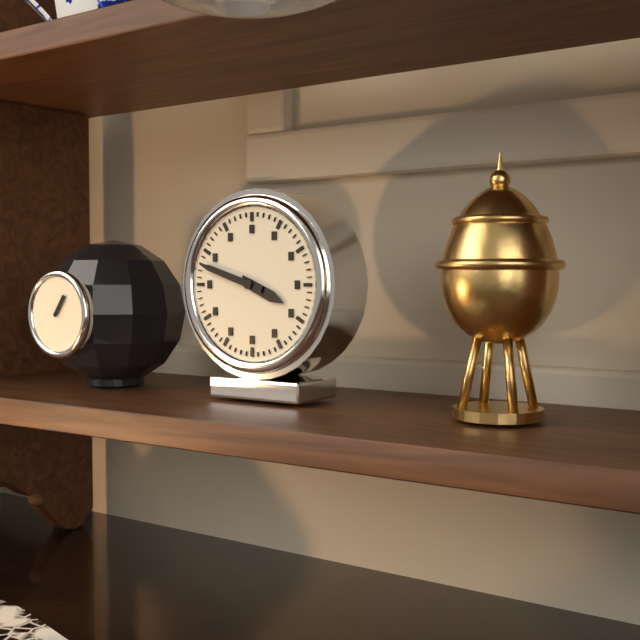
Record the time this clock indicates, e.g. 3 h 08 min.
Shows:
3 h 48 min
